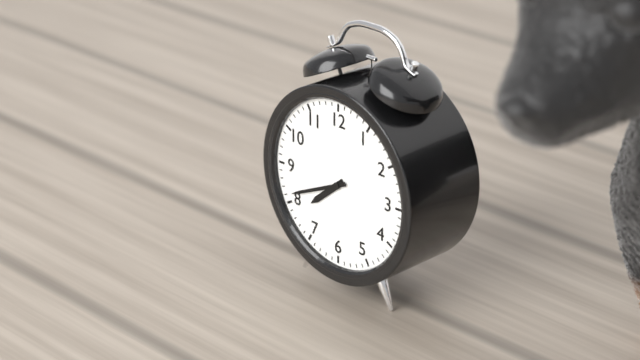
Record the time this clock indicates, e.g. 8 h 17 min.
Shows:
7 h 41 min
